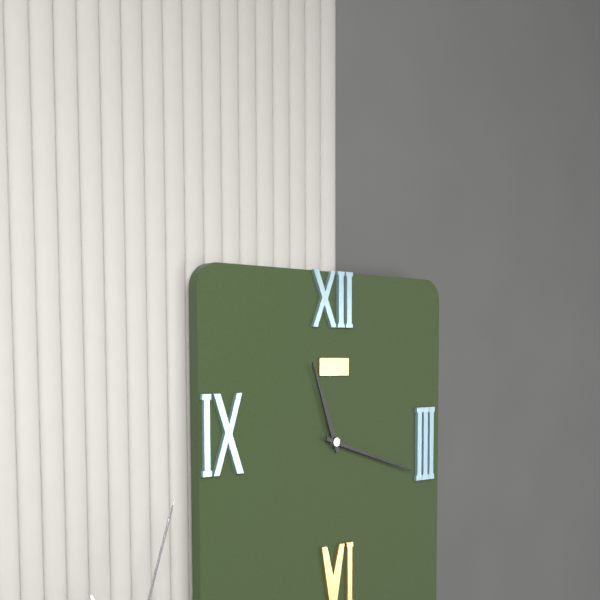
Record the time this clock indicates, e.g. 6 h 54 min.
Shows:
11 h 18 min
